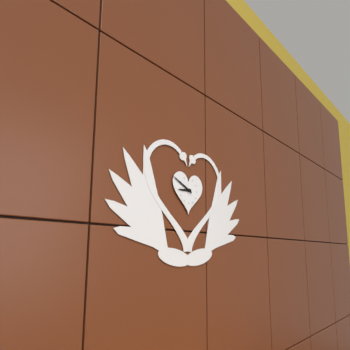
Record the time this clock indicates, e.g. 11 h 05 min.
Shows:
8 h 49 min
